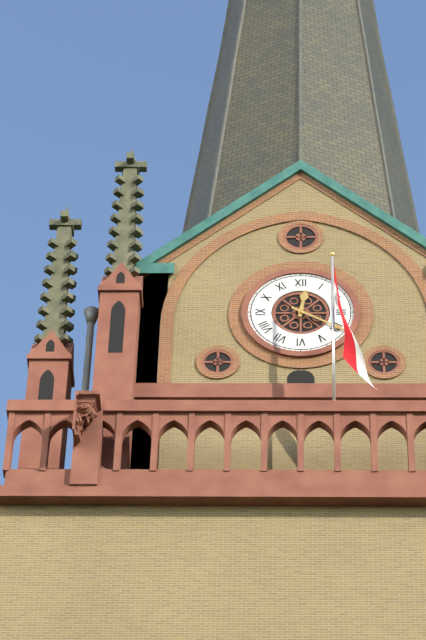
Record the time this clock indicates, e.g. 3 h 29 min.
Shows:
12 h 20 min
